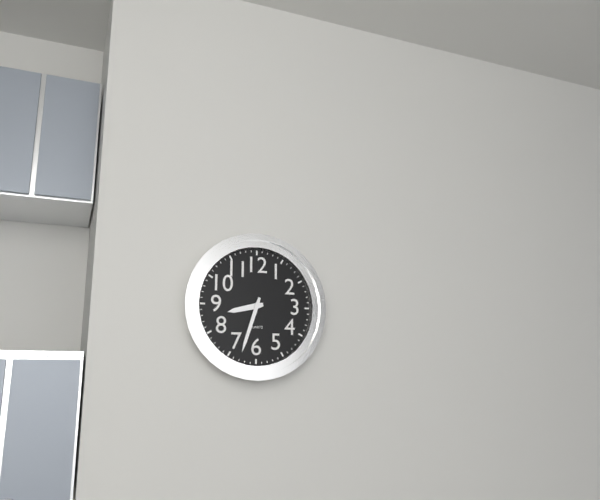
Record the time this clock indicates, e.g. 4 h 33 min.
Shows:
8 h 33 min
